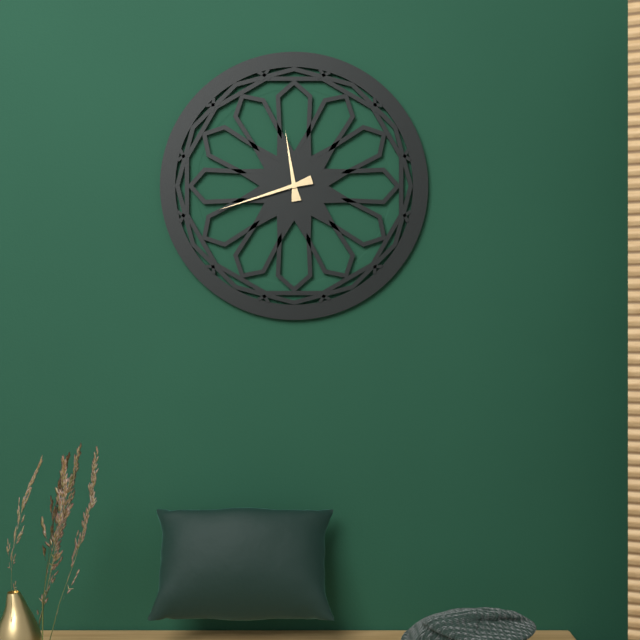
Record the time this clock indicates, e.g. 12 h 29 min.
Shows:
11 h 42 min
